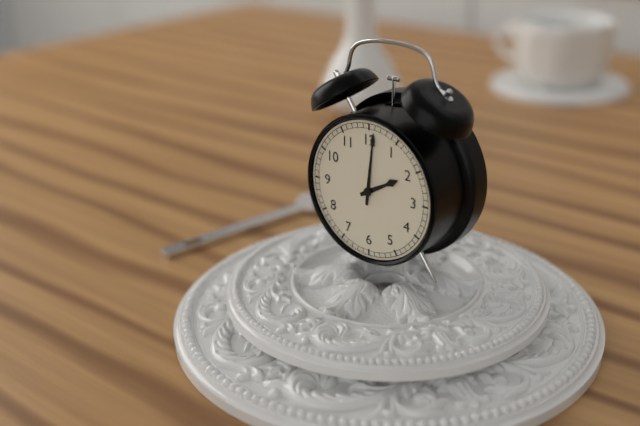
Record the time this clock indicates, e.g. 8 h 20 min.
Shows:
2 h 01 min
